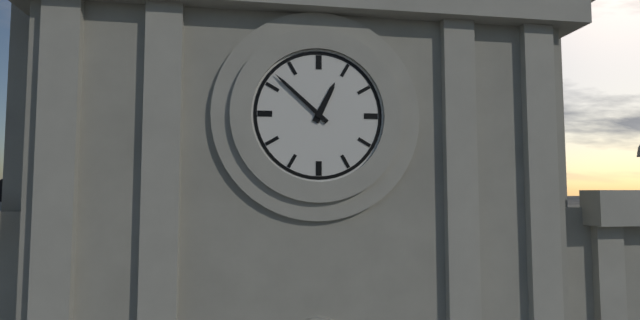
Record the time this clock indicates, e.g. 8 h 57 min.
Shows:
12 h 52 min
